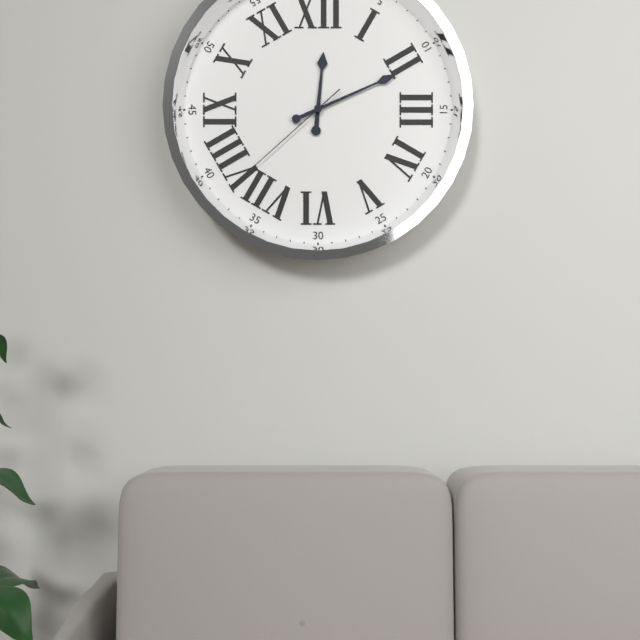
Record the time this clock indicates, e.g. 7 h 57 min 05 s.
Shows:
12 h 11 min 38 s
